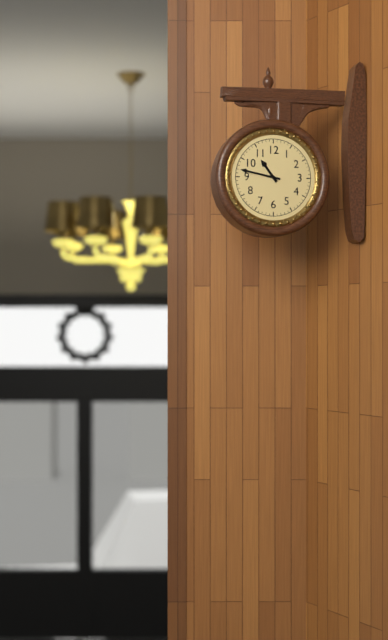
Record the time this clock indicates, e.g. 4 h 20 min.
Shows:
10 h 47 min
